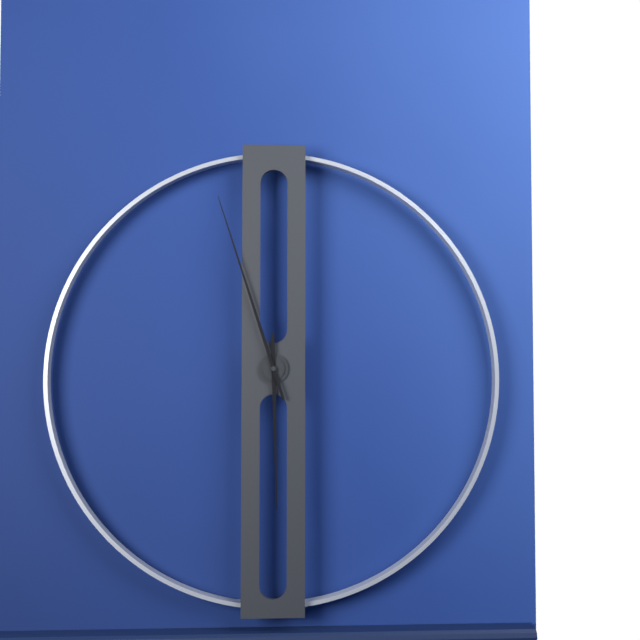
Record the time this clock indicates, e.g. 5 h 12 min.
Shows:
5 h 57 min
